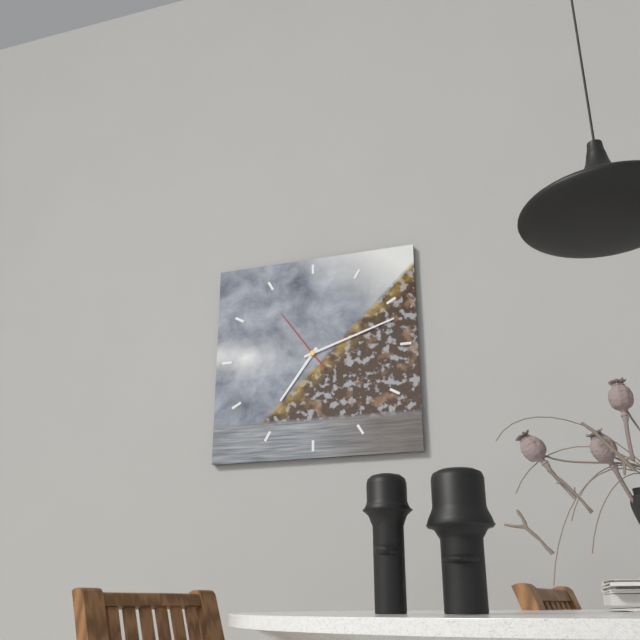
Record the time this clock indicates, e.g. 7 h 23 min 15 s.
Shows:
7 h 12 min 54 s
